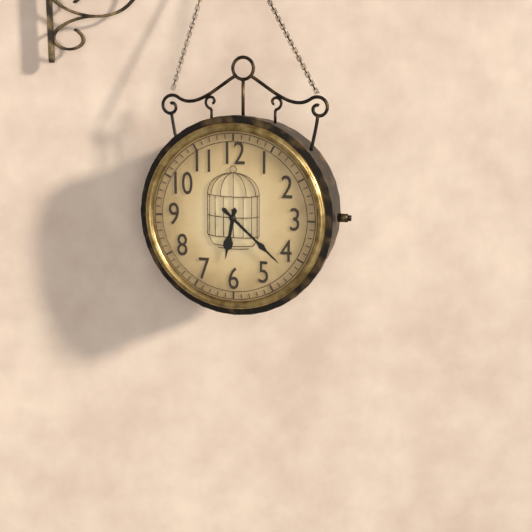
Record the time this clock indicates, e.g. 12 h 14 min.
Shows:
6 h 22 min
